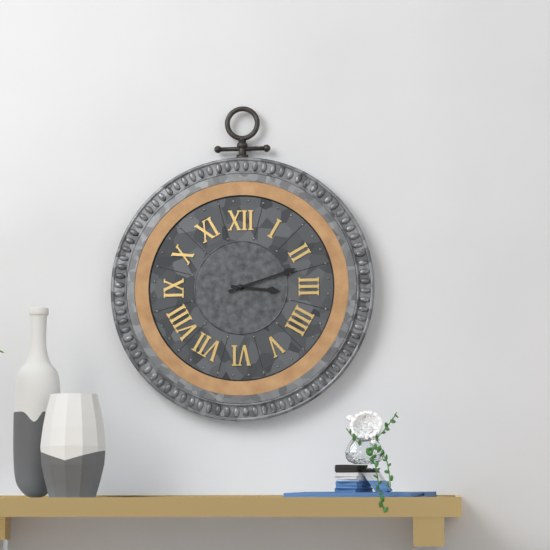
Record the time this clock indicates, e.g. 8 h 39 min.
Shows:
3 h 12 min
